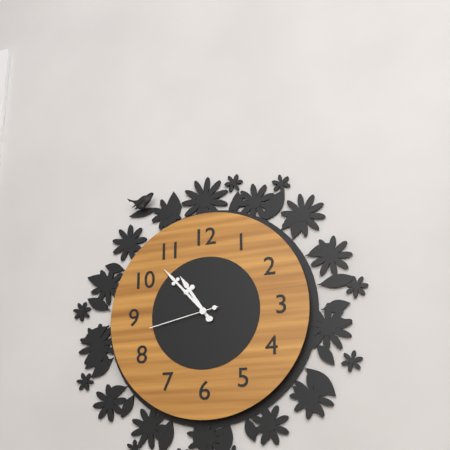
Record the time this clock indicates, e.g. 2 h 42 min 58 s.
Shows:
10 h 53 min 43 s
